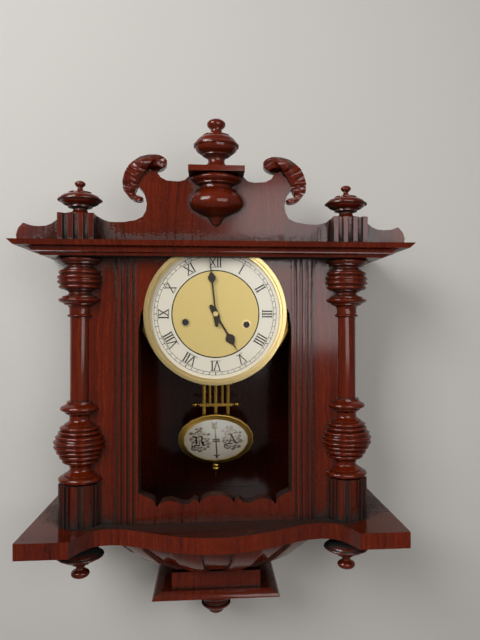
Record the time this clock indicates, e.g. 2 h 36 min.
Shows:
4 h 59 min
